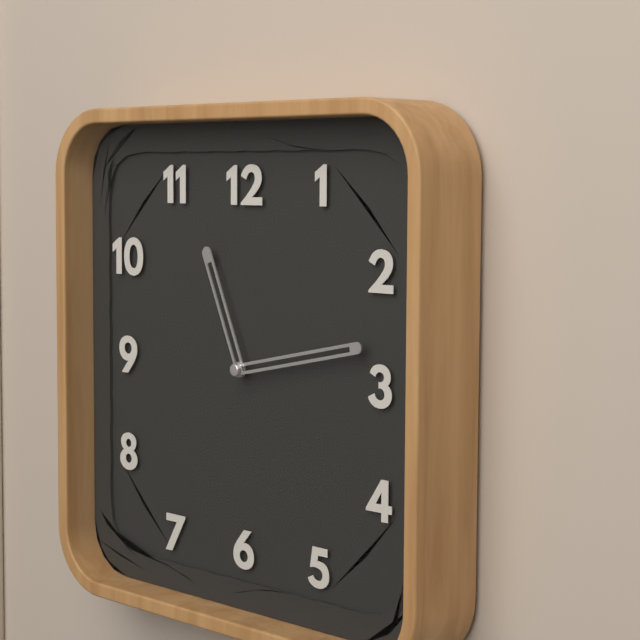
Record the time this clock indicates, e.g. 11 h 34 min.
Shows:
11 h 13 min
